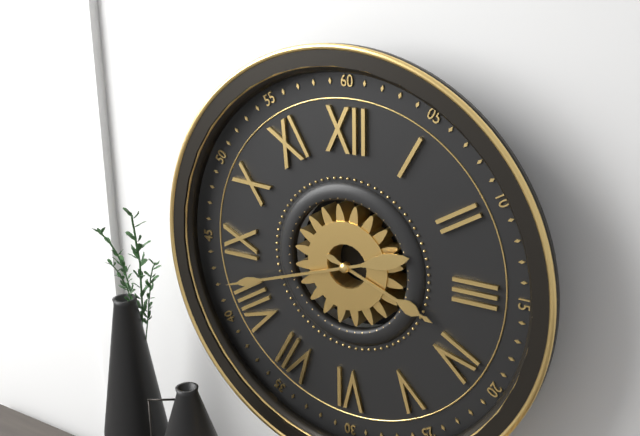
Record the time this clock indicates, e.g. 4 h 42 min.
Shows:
3 h 42 min
